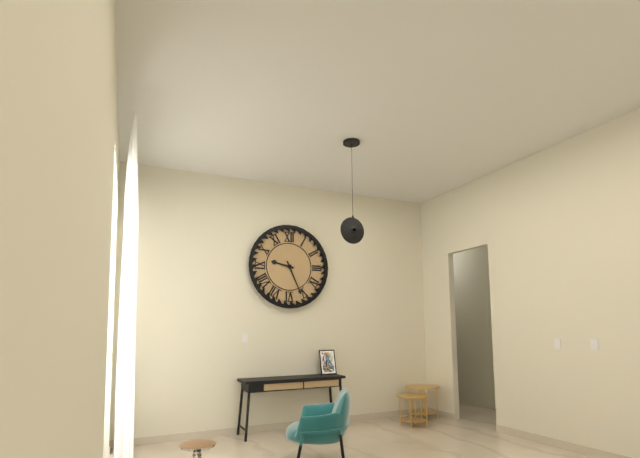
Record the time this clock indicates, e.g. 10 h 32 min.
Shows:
9 h 26 min
